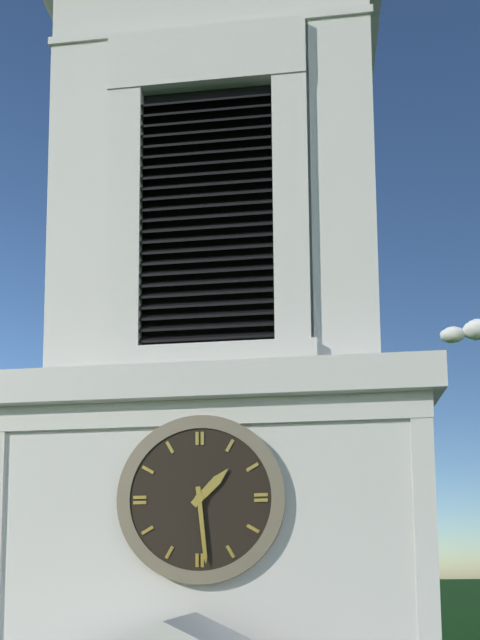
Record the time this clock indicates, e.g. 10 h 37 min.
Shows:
1 h 29 min
